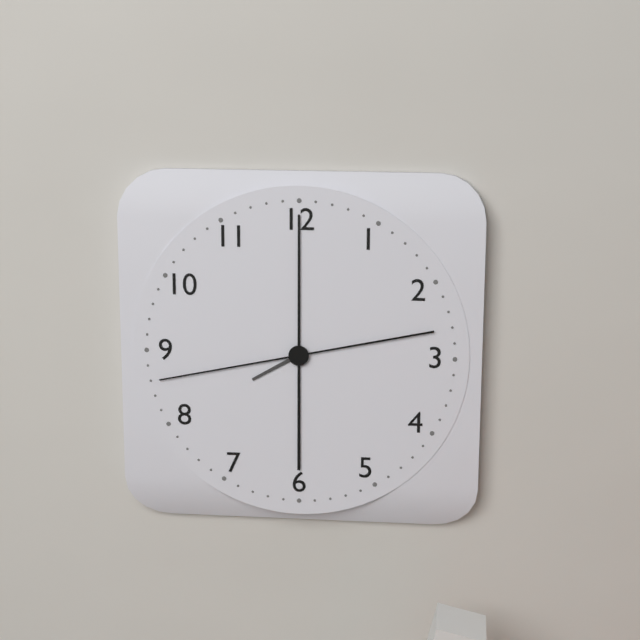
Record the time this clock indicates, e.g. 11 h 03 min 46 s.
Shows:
8 h 00 min 43 s
